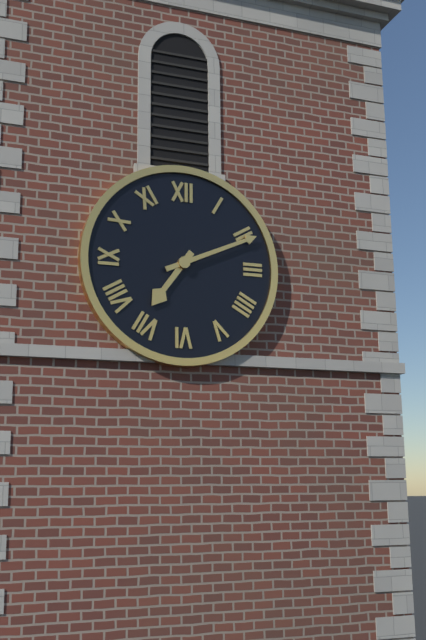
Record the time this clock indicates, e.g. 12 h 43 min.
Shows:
7 h 11 min
